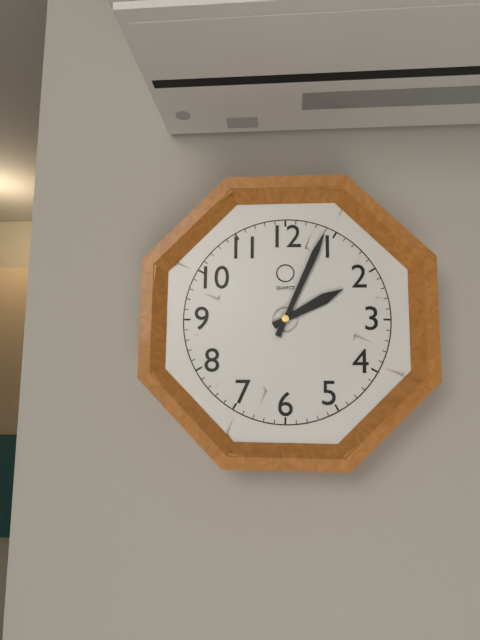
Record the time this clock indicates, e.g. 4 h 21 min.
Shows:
2 h 04 min
